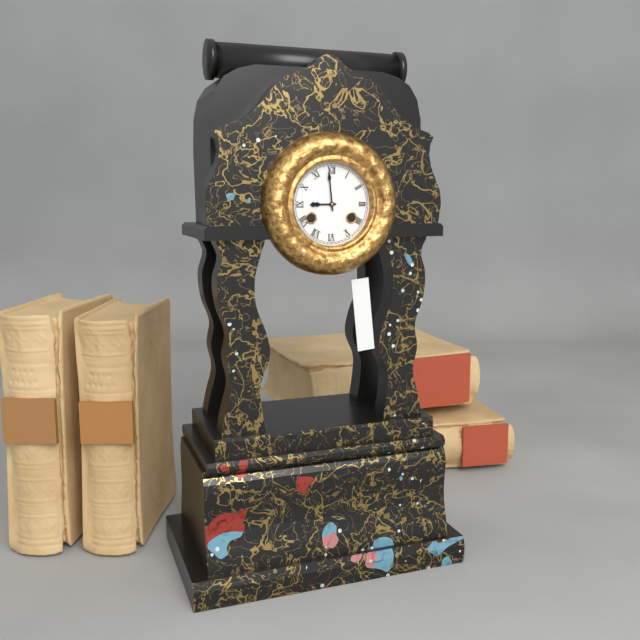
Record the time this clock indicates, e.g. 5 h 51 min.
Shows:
8 h 59 min
